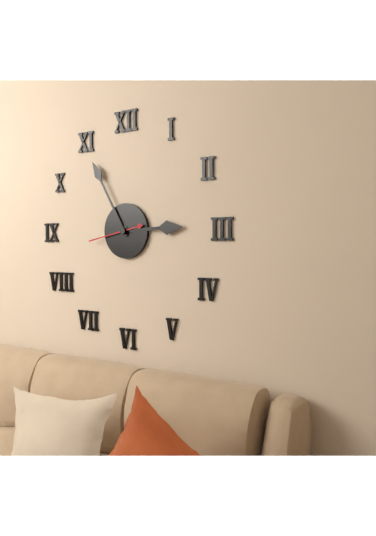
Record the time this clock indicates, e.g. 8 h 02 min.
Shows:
2 h 55 min
